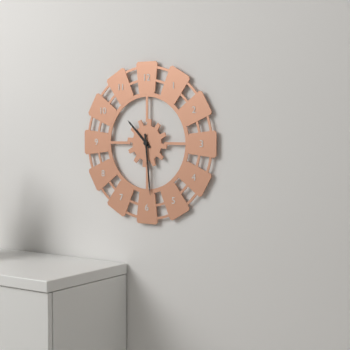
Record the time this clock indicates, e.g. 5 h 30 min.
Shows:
10 h 29 min
